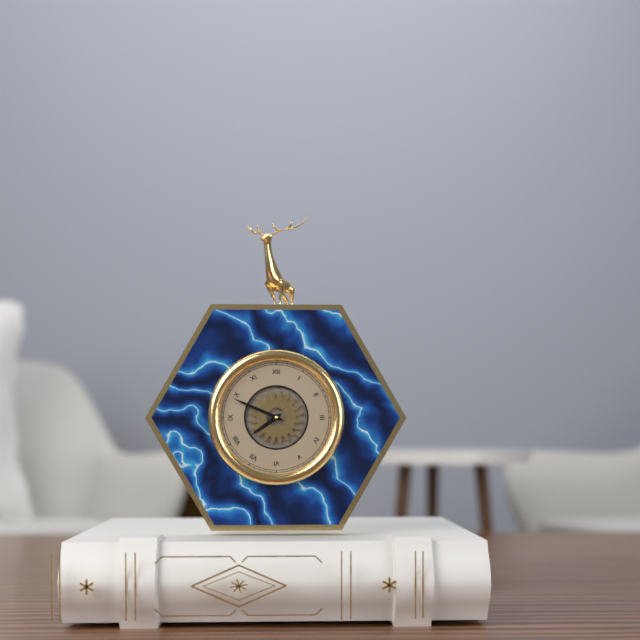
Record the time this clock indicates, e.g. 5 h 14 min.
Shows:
7 h 49 min
